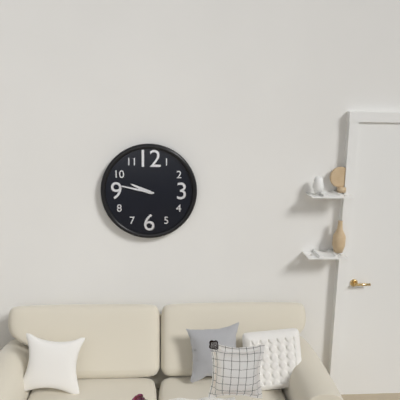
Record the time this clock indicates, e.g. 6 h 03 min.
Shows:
9 h 47 min
